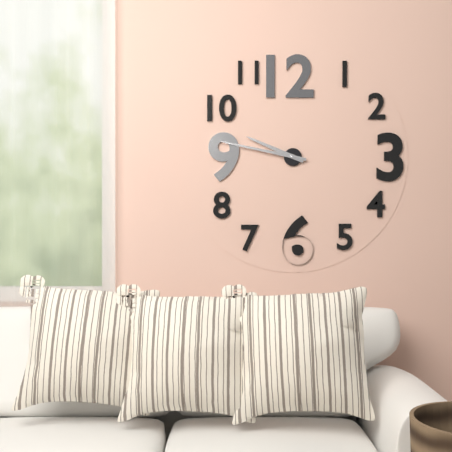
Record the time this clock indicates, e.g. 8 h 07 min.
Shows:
9 h 47 min
